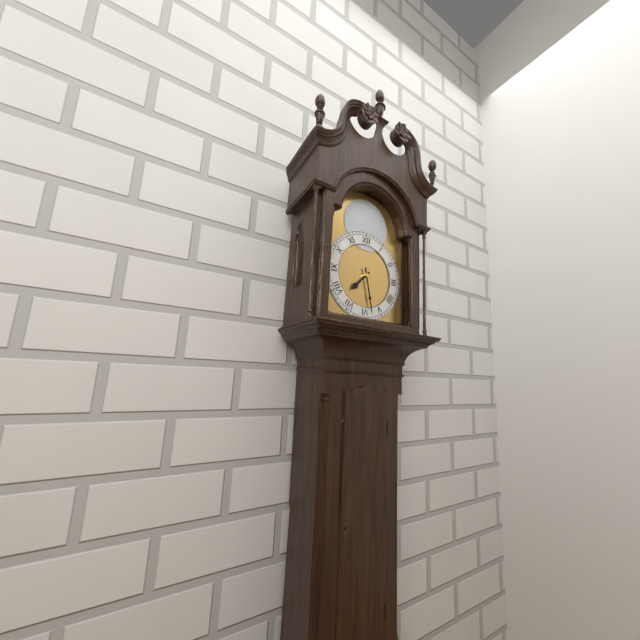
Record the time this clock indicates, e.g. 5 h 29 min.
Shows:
7 h 28 min
